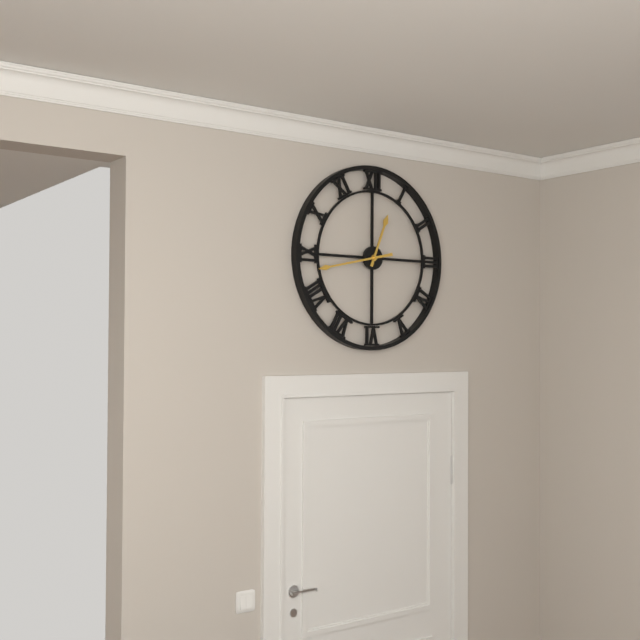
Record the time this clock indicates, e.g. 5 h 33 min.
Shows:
12 h 43 min
